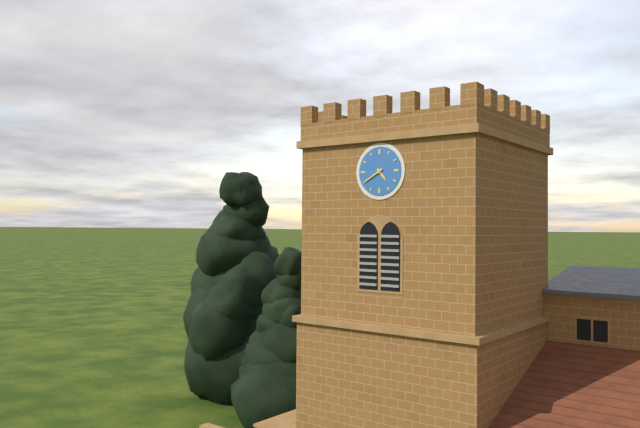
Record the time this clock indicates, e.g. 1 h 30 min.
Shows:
4 h 40 min
